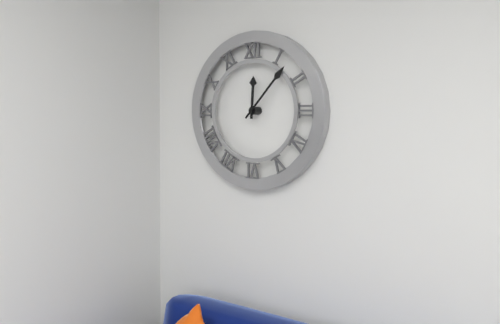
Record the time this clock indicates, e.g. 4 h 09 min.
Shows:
12 h 07 min
